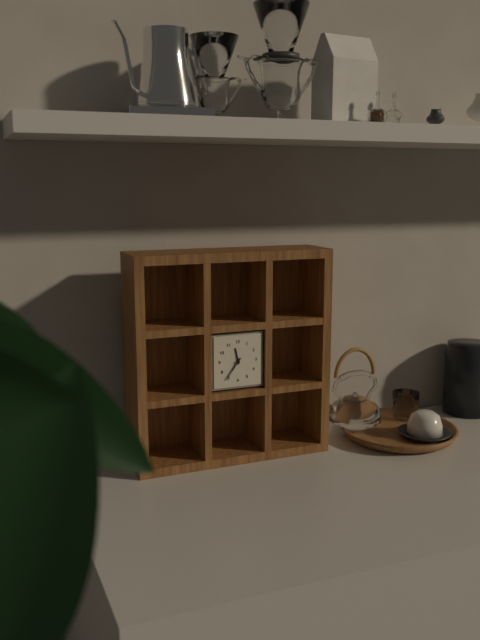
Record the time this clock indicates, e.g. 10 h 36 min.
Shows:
11 h 36 min
